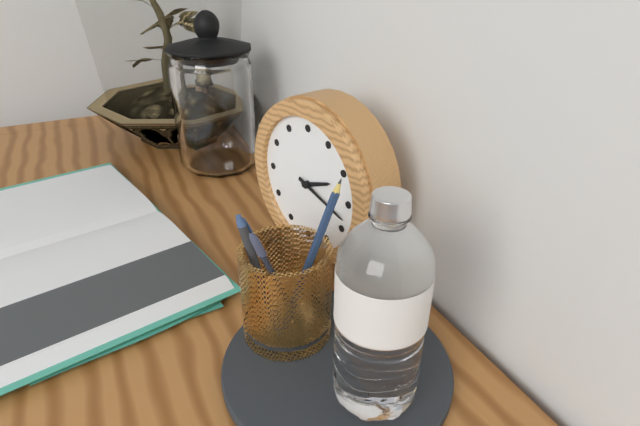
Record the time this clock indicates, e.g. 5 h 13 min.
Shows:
2 h 18 min
